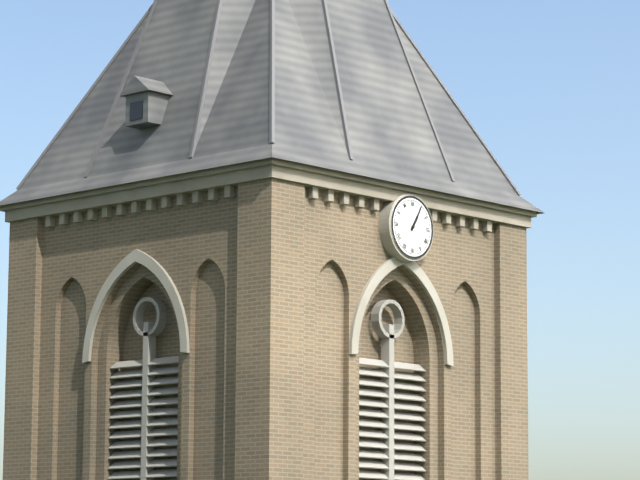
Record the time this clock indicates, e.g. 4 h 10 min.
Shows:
1 h 05 min
